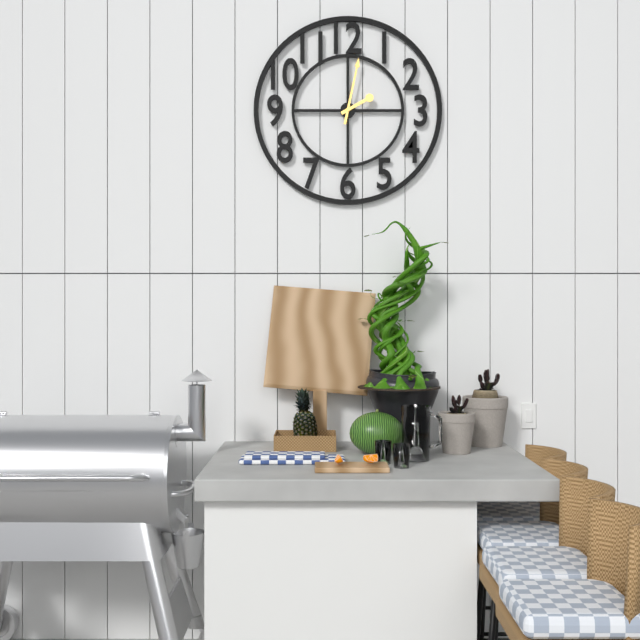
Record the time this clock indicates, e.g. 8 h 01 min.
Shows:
2 h 02 min
